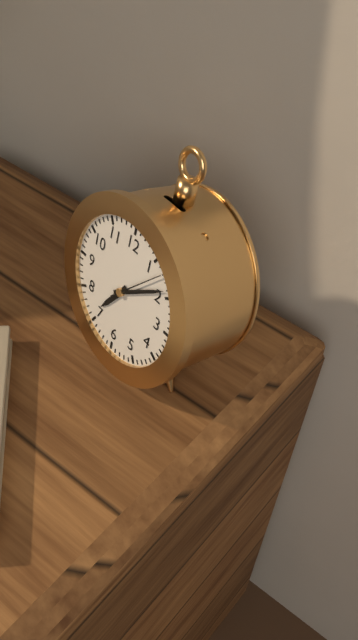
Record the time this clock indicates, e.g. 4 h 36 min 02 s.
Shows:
7 h 09 min 07 s
